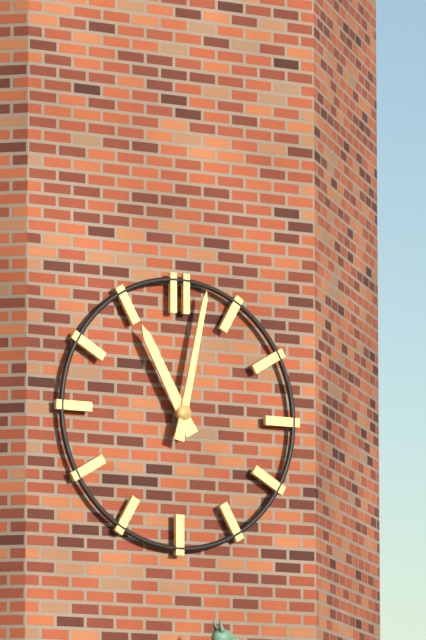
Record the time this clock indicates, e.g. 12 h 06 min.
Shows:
11 h 02 min
